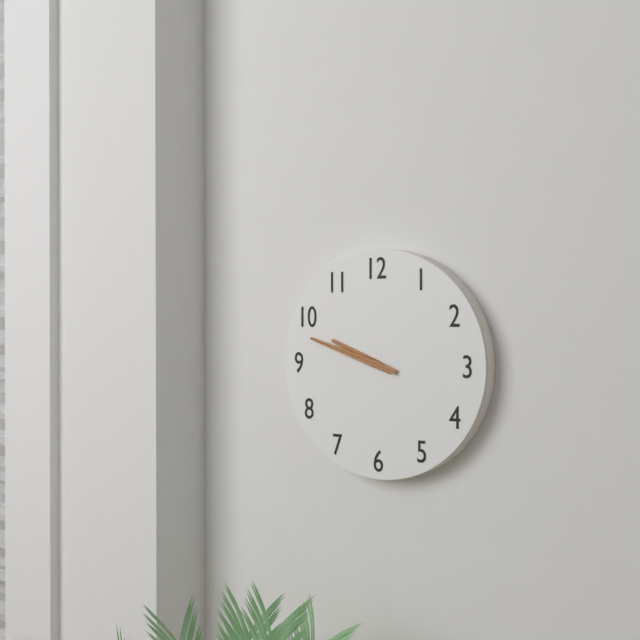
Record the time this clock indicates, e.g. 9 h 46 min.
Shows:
9 h 48 min
